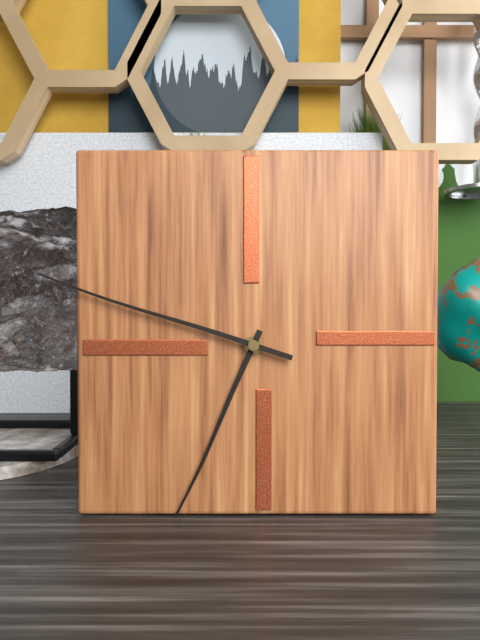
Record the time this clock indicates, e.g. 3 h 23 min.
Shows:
6 h 48 min
